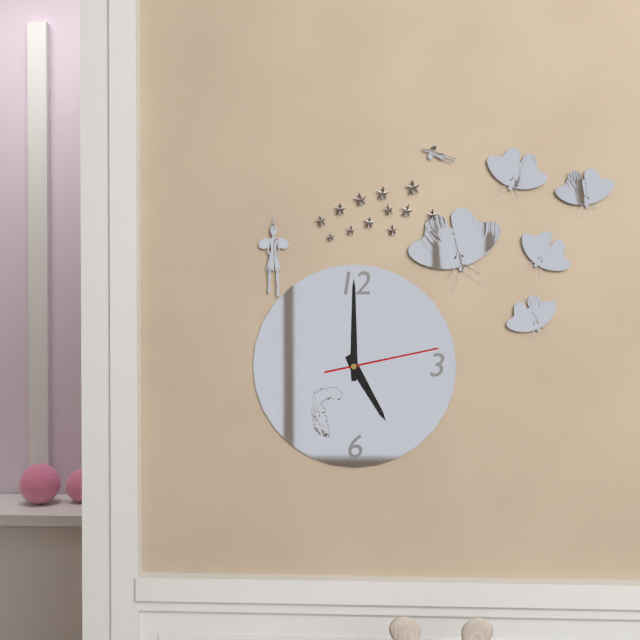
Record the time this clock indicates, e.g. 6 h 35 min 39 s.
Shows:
5 h 00 min 13 s
